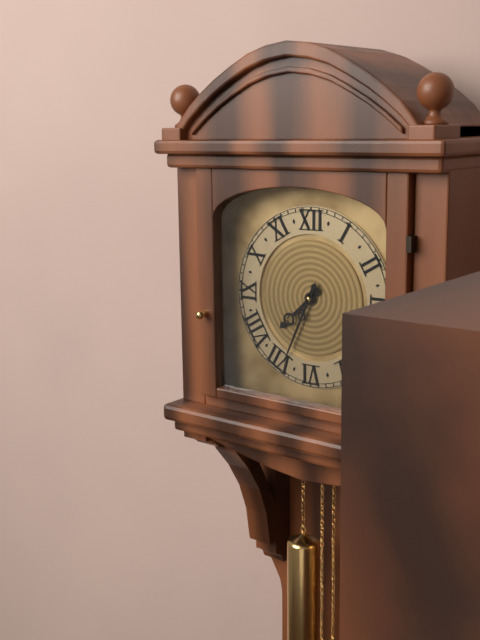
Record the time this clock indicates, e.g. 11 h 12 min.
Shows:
7 h 34 min
